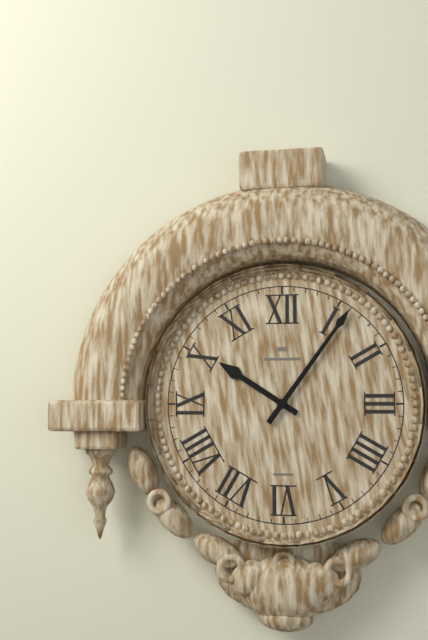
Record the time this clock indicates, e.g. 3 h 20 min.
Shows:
10 h 06 min
